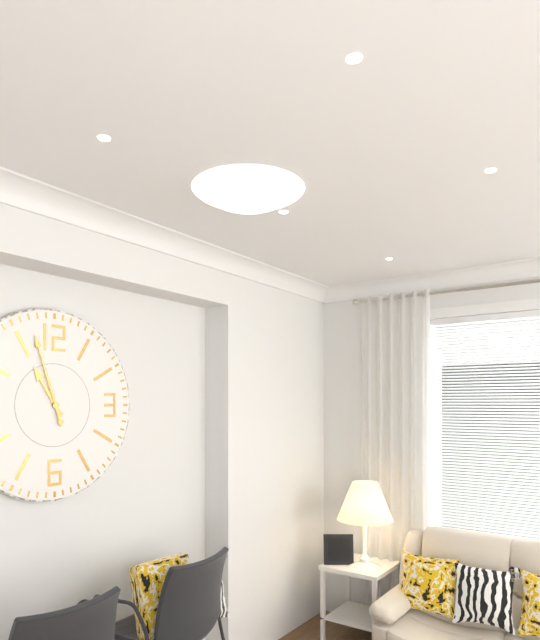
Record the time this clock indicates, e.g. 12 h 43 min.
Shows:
10 h 57 min
